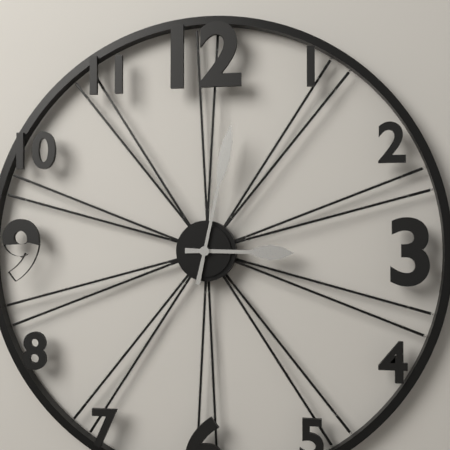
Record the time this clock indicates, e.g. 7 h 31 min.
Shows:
3 h 02 min
